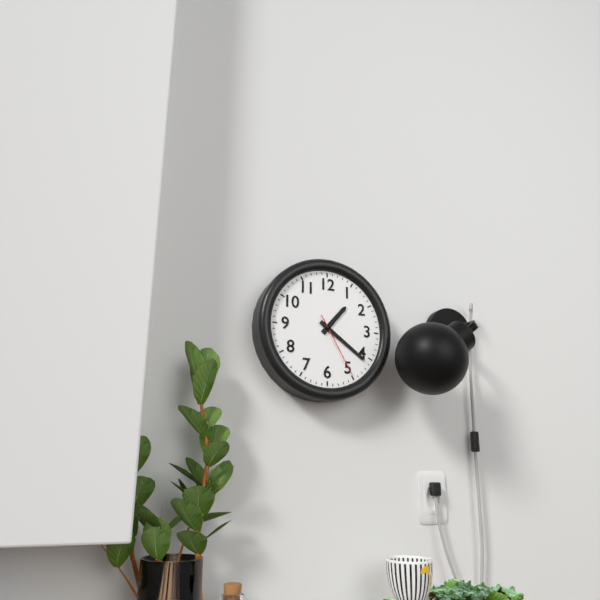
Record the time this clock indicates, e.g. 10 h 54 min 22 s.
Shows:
1 h 21 min 25 s
